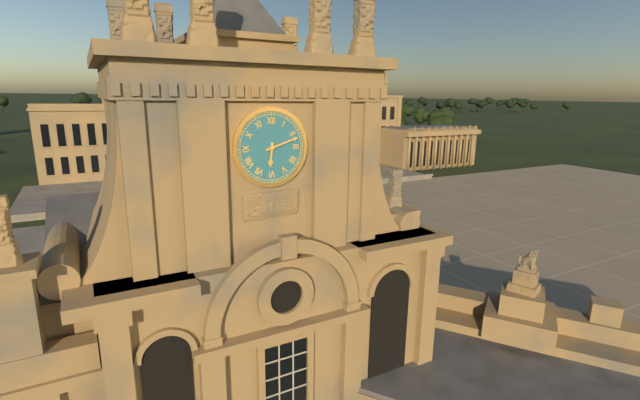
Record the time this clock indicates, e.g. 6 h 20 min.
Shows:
6 h 12 min
